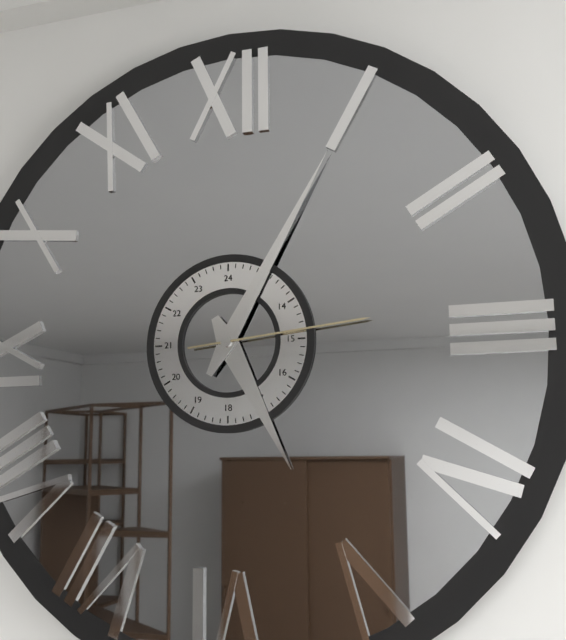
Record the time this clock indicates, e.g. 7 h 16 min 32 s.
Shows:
5 h 05 min 14 s
